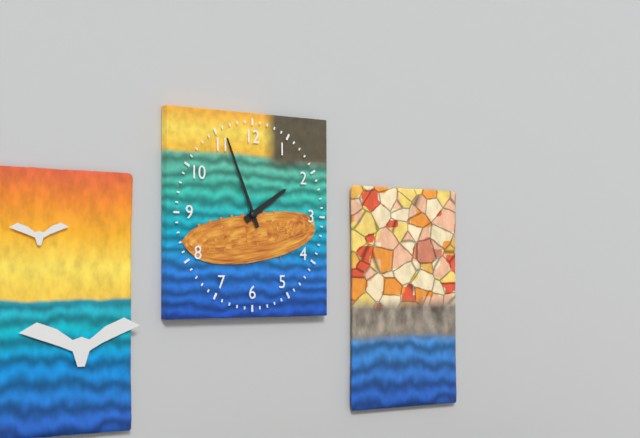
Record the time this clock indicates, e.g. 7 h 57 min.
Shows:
1 h 56 min
